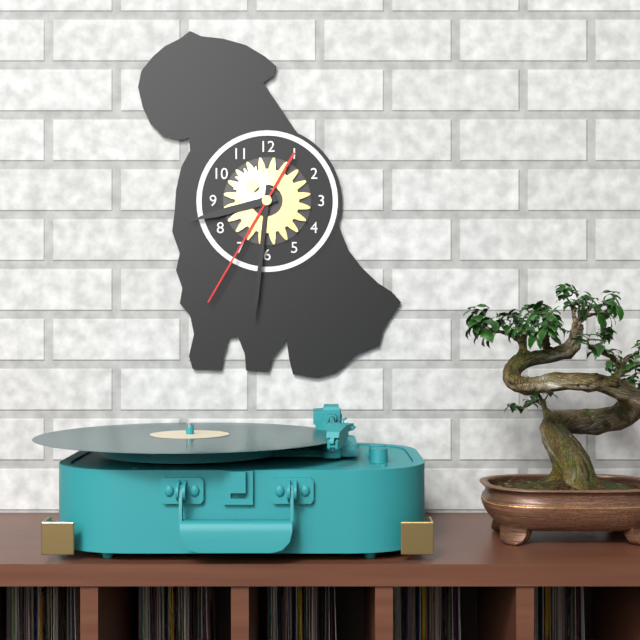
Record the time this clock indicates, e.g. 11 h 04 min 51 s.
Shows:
8 h 31 min 35 s
